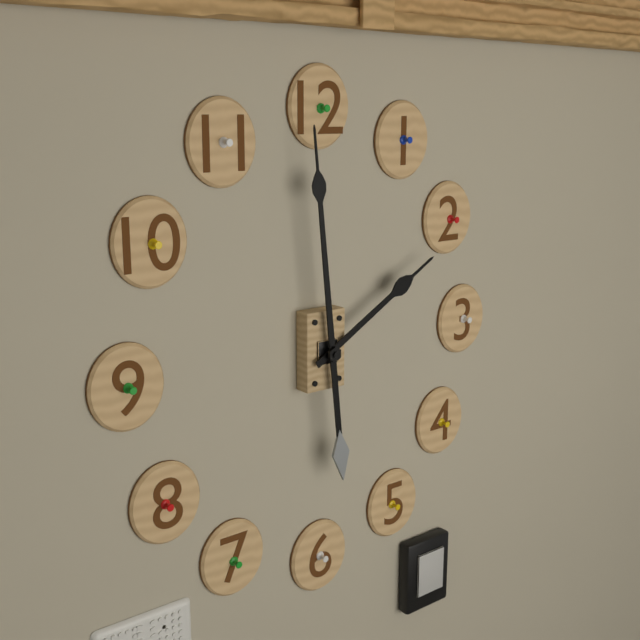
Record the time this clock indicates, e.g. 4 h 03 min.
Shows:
1 h 59 min
